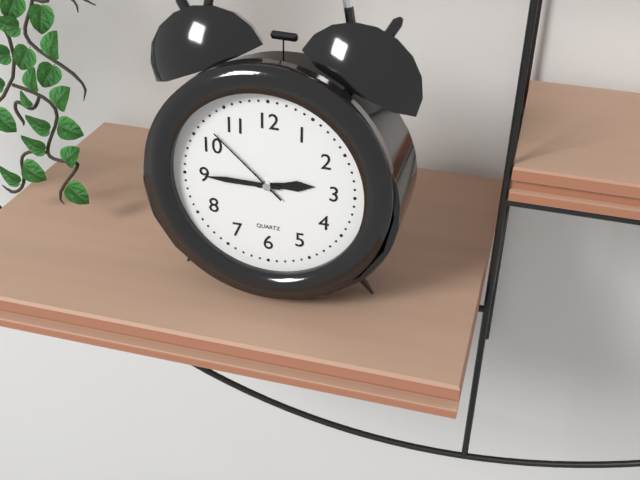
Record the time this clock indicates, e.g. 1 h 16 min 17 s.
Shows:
2 h 45 min 52 s
